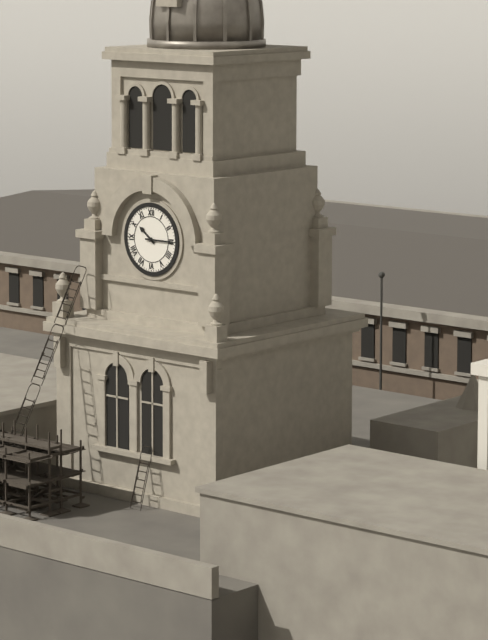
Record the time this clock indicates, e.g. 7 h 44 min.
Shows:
10 h 15 min
